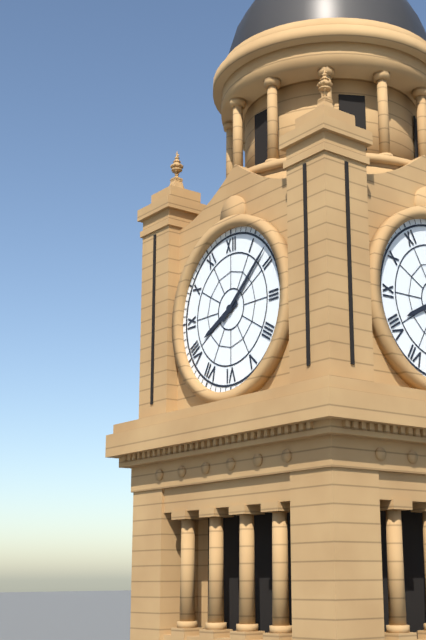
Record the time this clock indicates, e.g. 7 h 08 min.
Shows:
8 h 08 min
